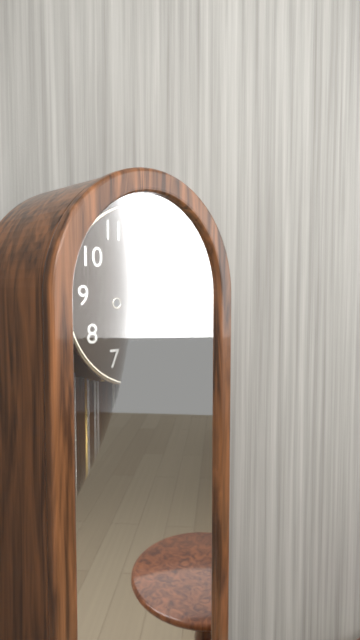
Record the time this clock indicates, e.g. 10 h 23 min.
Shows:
2 h 25 min
